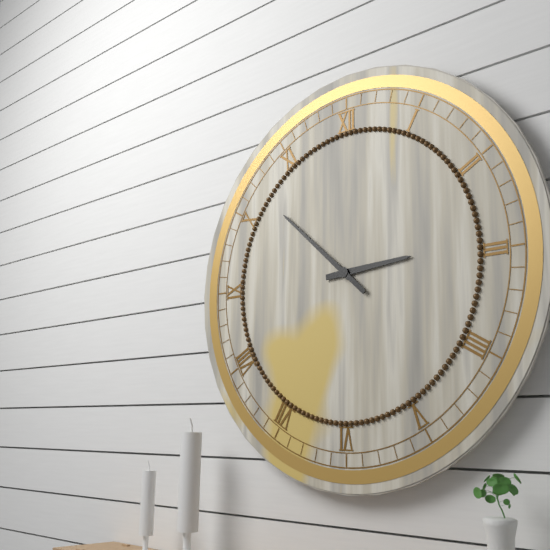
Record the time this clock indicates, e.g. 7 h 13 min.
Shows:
2 h 52 min
